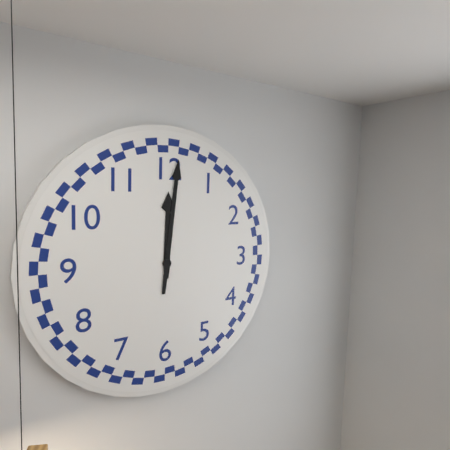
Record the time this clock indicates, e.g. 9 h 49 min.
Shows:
12 h 01 min
